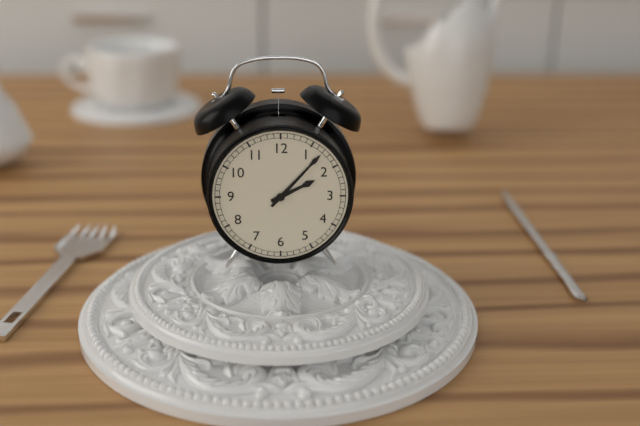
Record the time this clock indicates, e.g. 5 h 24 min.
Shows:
2 h 07 min
